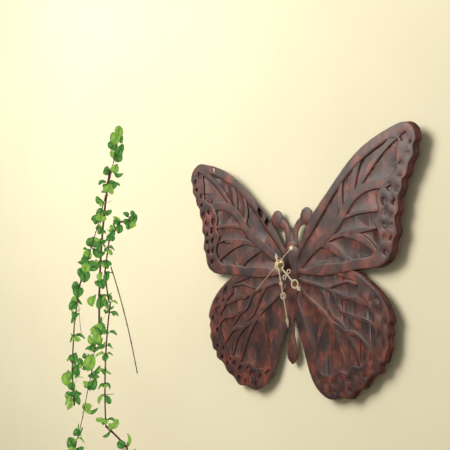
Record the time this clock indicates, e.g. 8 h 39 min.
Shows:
4 h 28 min
